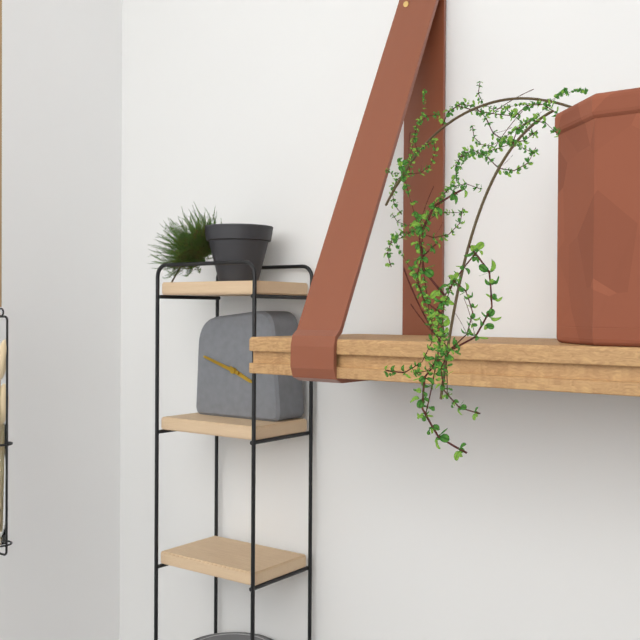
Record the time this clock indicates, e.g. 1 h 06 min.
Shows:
3 h 48 min
